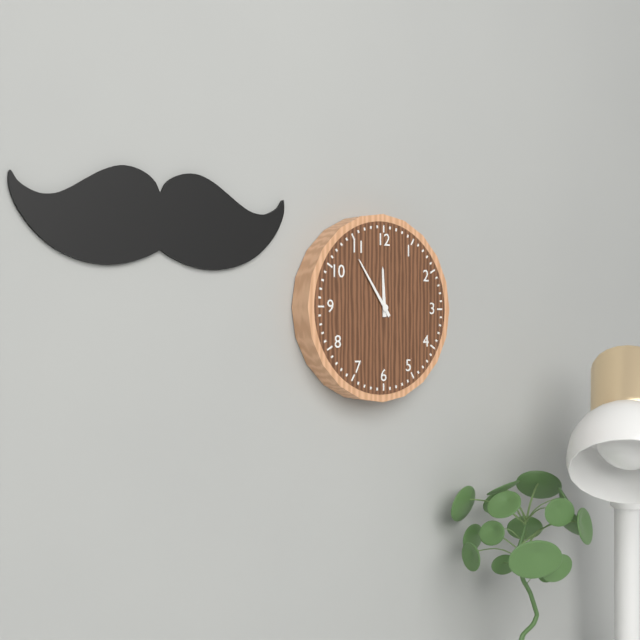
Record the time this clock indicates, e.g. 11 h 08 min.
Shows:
11 h 54 min
